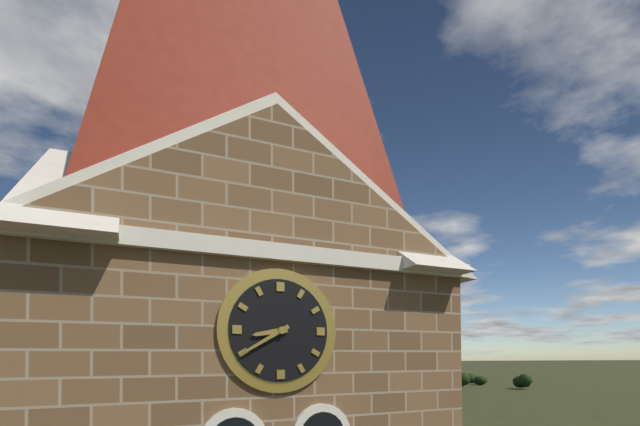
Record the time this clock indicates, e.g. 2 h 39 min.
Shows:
8 h 40 min
